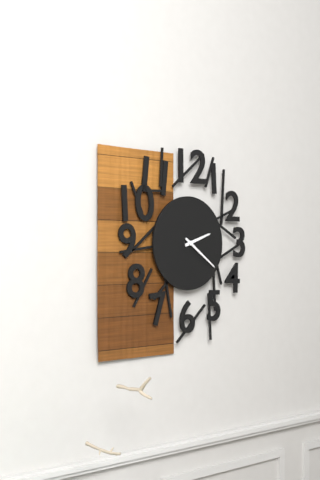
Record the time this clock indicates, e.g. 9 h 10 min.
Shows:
2 h 21 min
